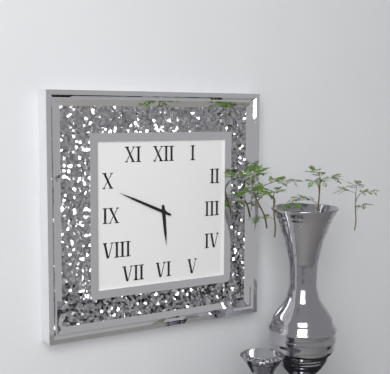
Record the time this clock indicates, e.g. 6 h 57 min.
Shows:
5 h 49 min
